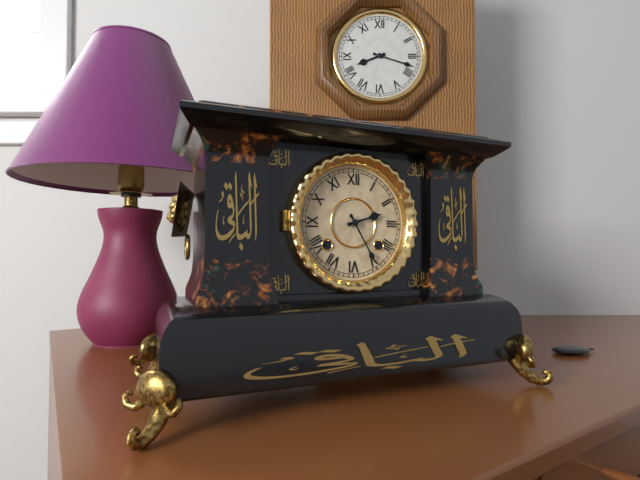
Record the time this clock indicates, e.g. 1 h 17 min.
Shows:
2 h 25 min
